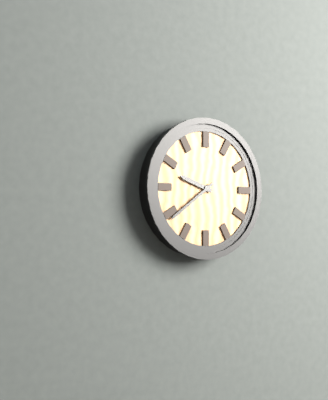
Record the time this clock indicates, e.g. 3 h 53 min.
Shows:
9 h 39 min
